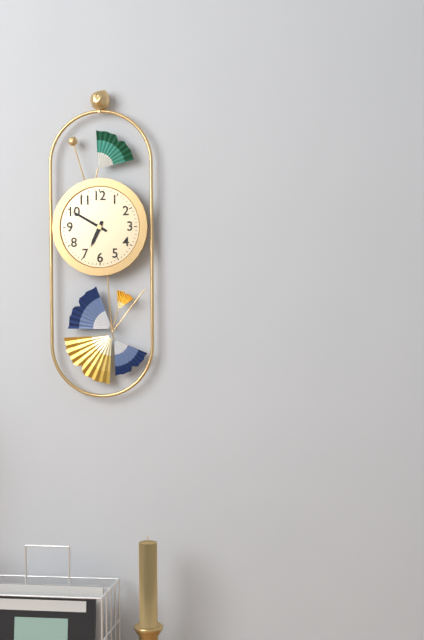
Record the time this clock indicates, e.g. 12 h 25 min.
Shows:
6 h 50 min
